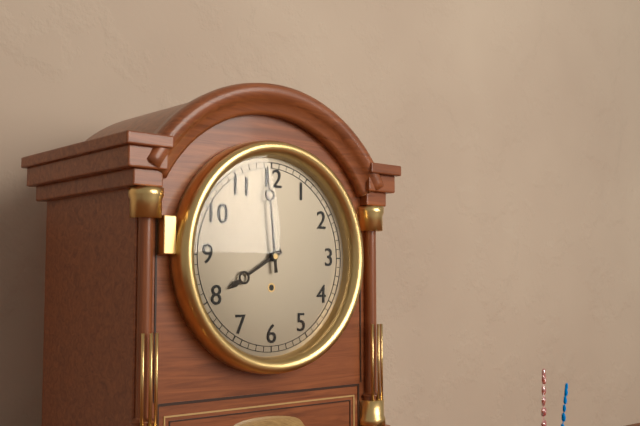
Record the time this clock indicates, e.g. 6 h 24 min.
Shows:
7 h 59 min
